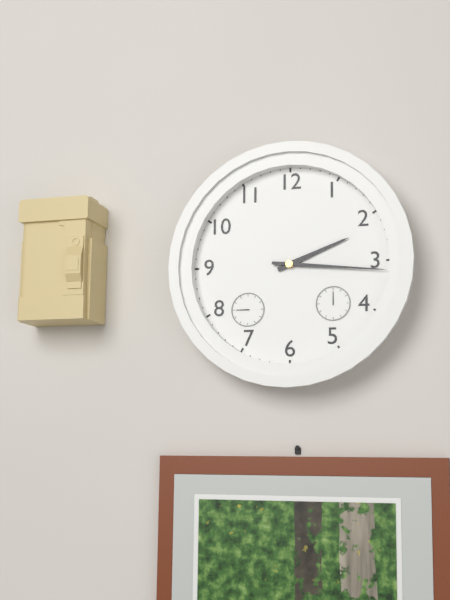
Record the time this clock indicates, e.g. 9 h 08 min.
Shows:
2 h 16 min
